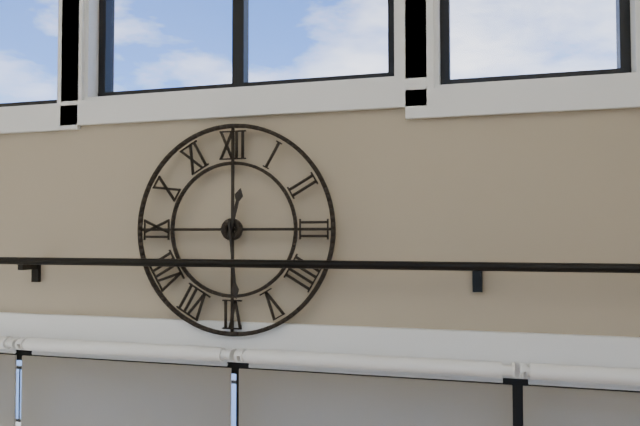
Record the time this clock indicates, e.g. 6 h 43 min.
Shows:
12 h 29 min
